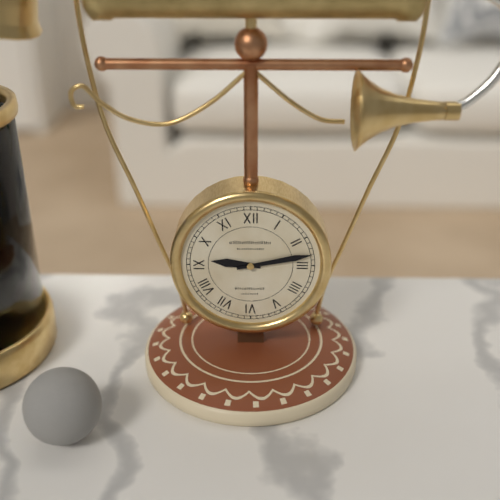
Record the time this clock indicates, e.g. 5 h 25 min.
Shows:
9 h 13 min
